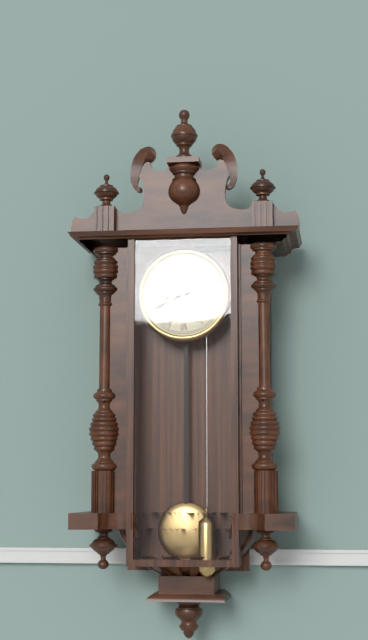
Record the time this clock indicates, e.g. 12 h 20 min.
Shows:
8 h 41 min
